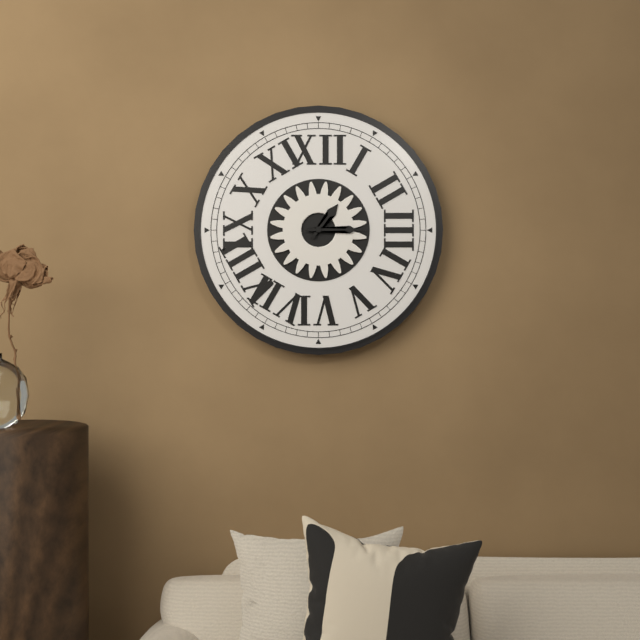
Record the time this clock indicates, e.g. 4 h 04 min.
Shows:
1 h 15 min
